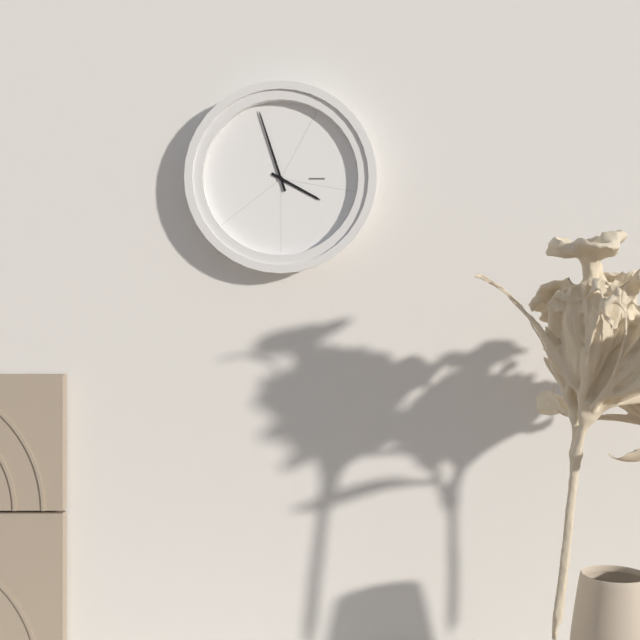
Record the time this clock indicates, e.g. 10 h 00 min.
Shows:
3 h 57 min
